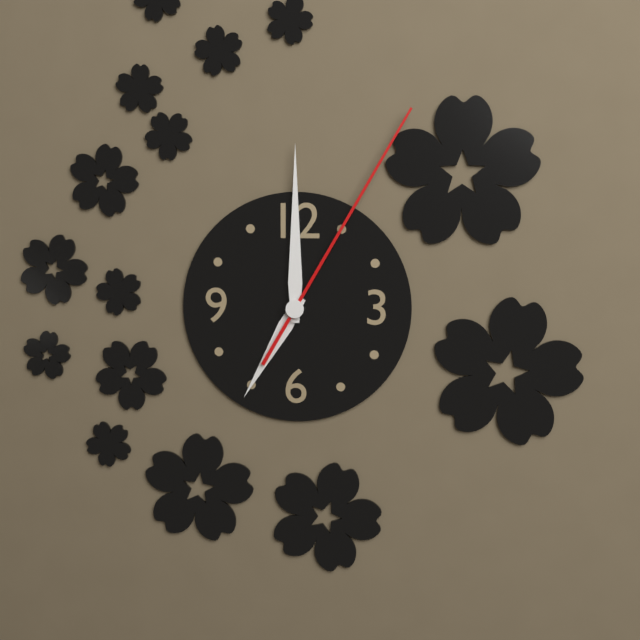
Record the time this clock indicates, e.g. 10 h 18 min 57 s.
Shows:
7 h 00 min 05 s
